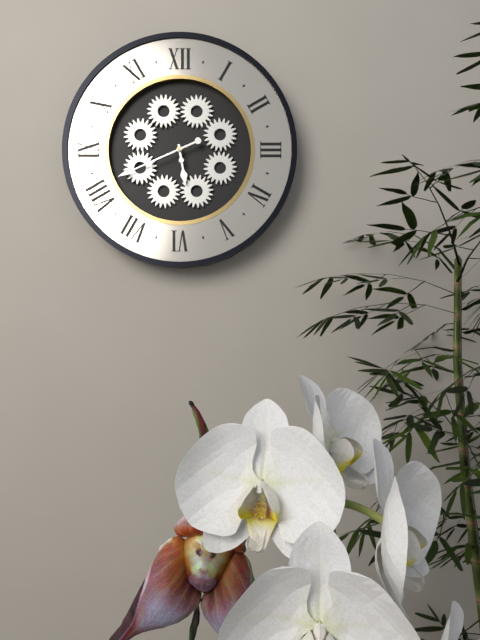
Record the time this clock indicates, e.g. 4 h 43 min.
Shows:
5 h 41 min
